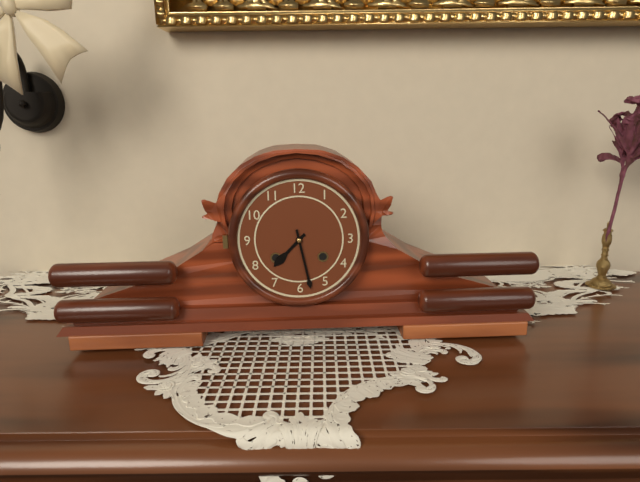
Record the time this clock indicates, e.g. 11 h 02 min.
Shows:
7 h 28 min
